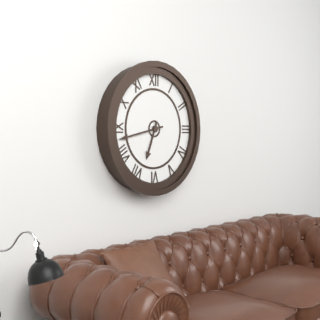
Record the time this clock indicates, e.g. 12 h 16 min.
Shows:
6 h 43 min
